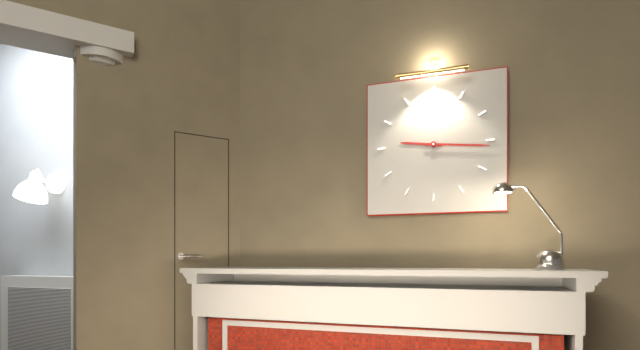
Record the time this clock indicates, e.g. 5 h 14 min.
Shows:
9 h 16 min
